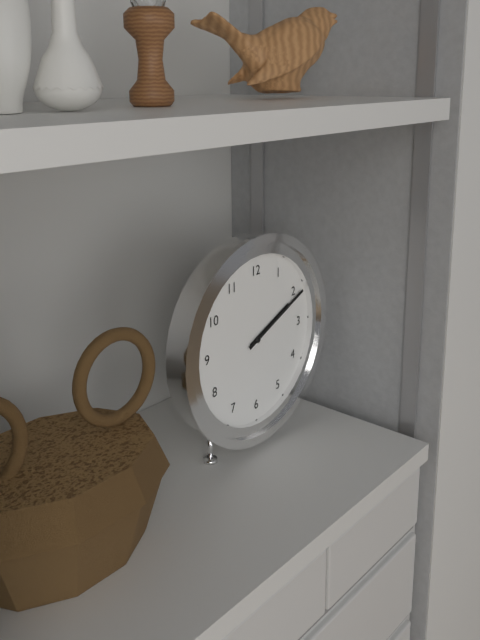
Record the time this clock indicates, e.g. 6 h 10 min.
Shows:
2 h 11 min
